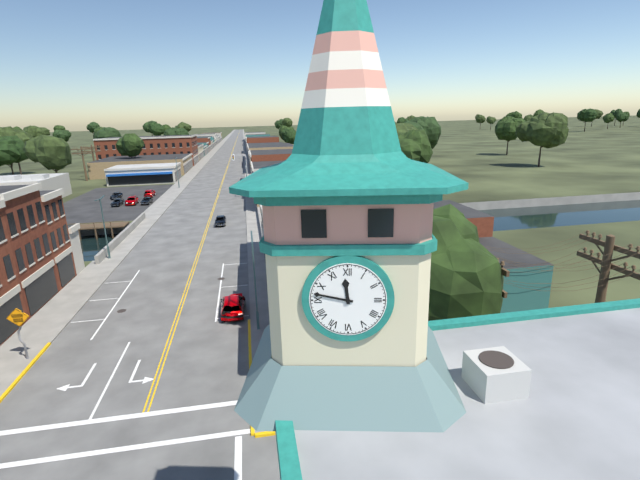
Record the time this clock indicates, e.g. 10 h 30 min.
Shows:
11 h 47 min
